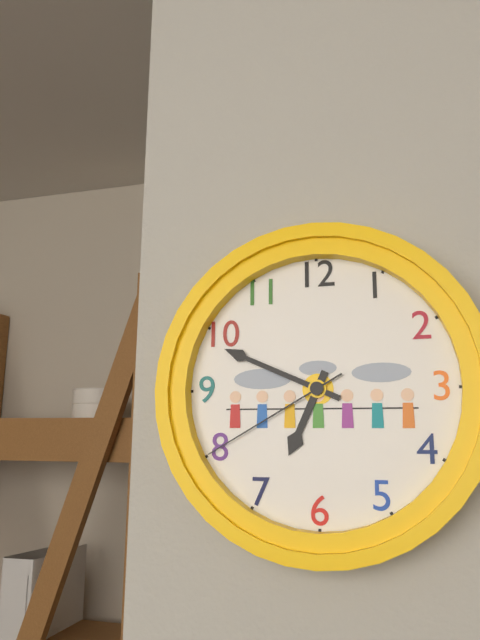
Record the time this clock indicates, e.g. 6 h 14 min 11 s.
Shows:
6 h 49 min 40 s
